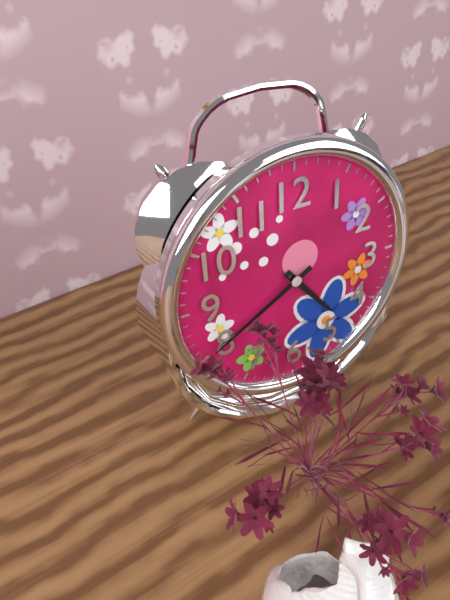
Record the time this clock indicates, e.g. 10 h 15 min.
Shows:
4 h 40 min
